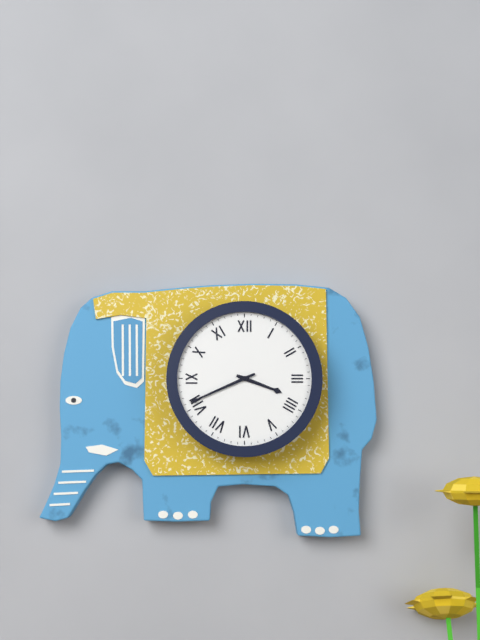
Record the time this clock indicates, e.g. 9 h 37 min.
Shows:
3 h 41 min
